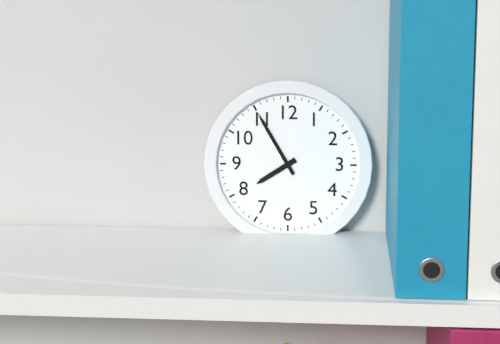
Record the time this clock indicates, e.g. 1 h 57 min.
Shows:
7 h 55 min
